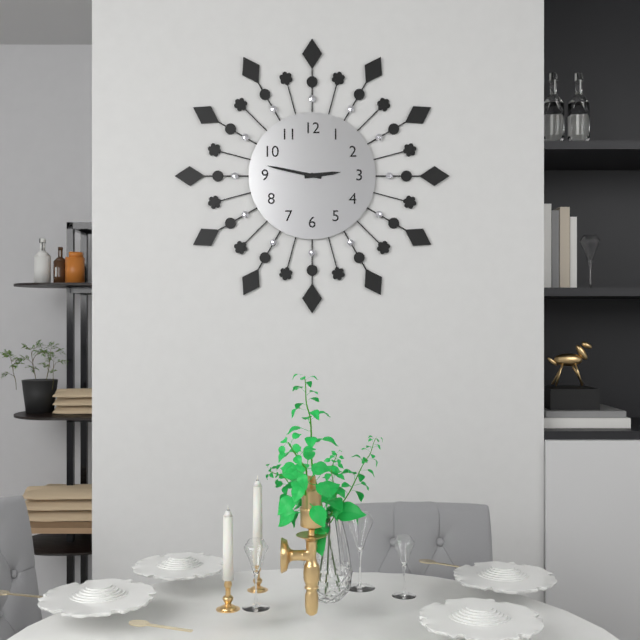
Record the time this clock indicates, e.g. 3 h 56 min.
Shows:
2 h 47 min
